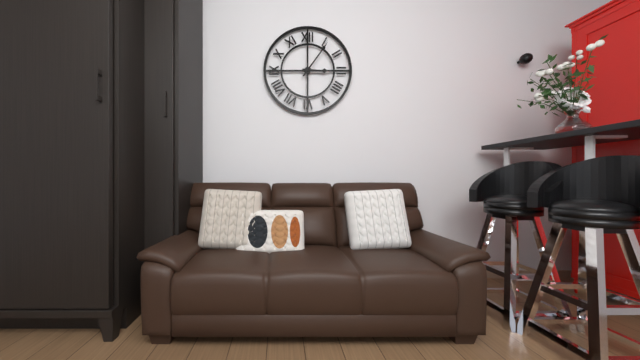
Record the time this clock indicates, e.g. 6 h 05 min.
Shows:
3 h 06 min
